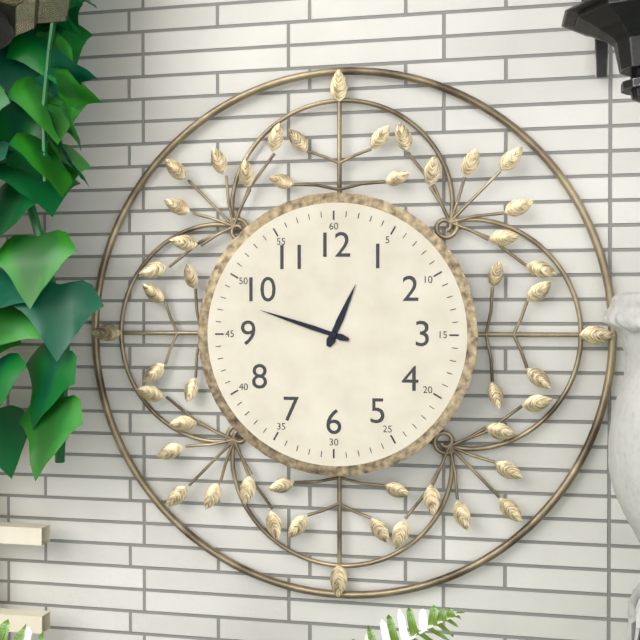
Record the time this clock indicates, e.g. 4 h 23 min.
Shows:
12 h 48 min
